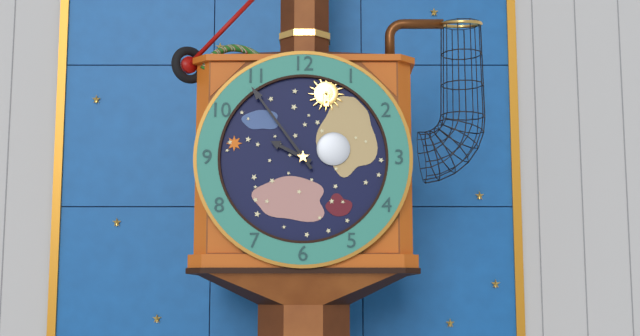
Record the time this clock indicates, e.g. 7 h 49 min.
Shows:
9 h 54 min
